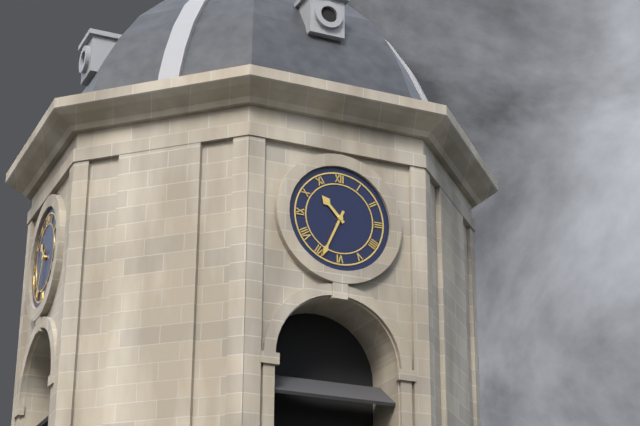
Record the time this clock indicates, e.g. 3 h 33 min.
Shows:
10 h 34 min
